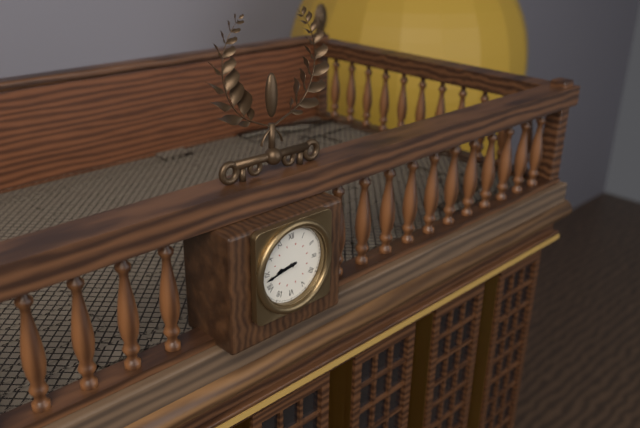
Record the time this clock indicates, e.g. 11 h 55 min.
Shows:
8 h 43 min
